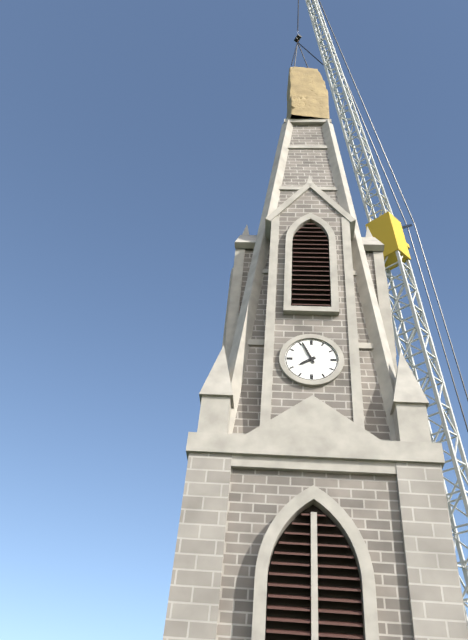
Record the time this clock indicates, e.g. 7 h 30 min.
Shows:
7 h 56 min
